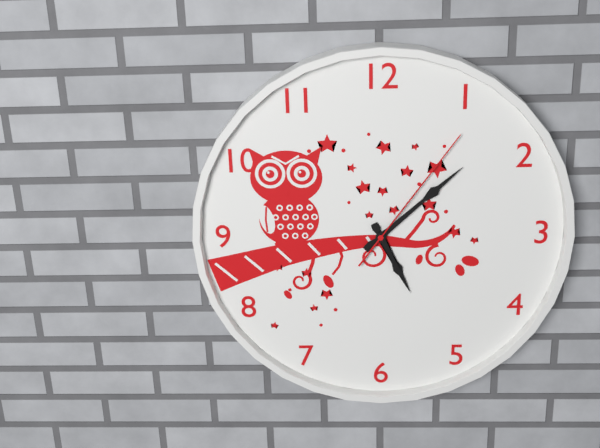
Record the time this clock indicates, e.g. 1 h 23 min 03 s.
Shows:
5 h 08 min 06 s
